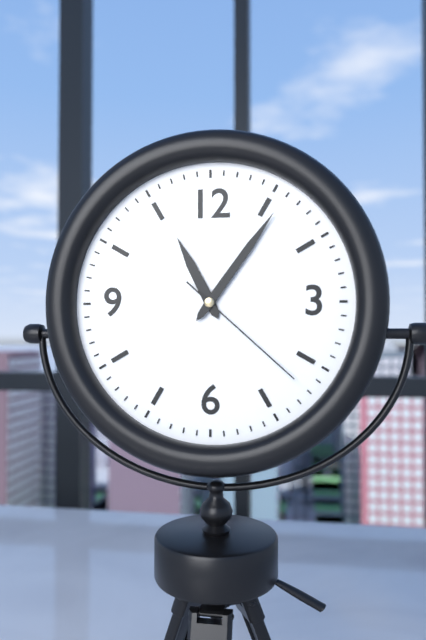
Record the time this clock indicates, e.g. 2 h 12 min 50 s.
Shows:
11 h 06 min 22 s
